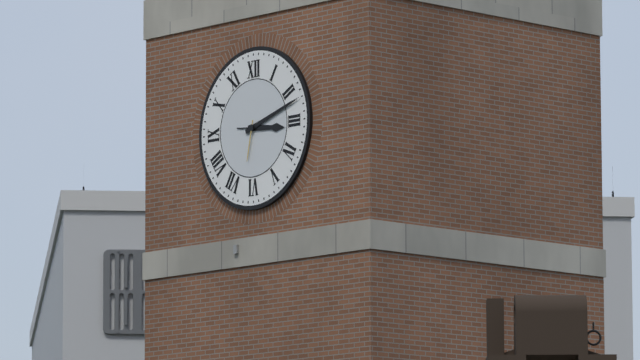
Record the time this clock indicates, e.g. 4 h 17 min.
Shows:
3 h 12 min
